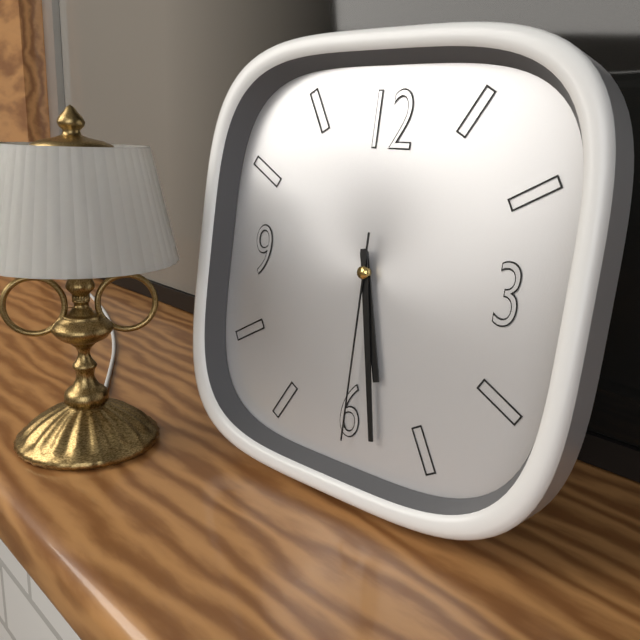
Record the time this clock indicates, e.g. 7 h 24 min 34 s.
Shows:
5 h 28 min 30 s
